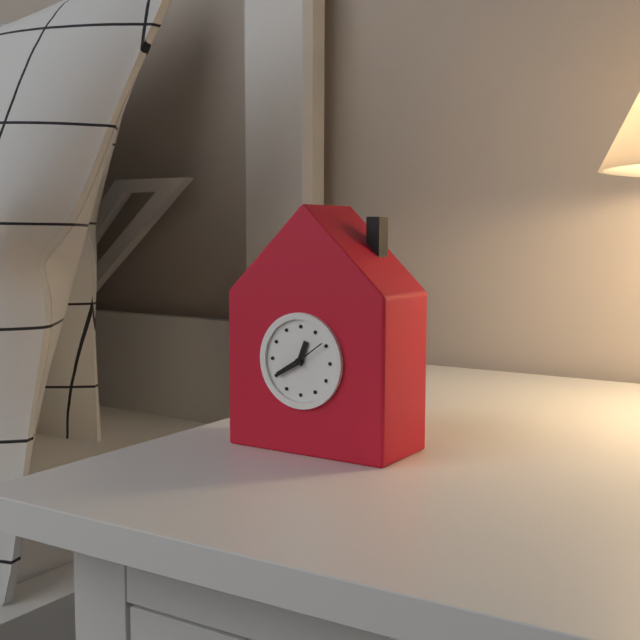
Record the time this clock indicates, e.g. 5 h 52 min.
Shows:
12 h 40 min
